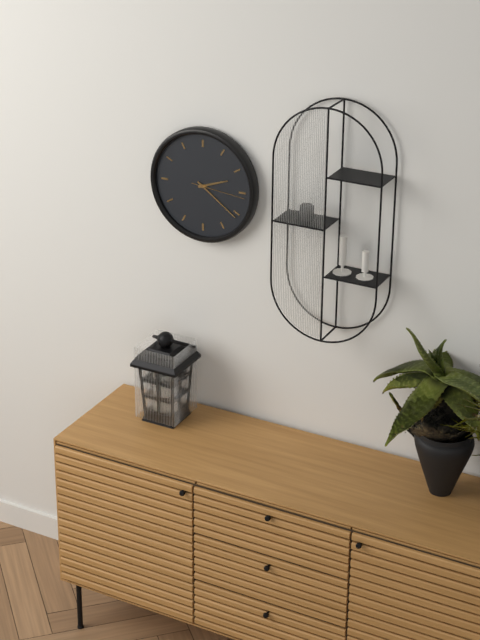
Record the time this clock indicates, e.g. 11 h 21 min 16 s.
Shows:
2 h 21 min 16 s
